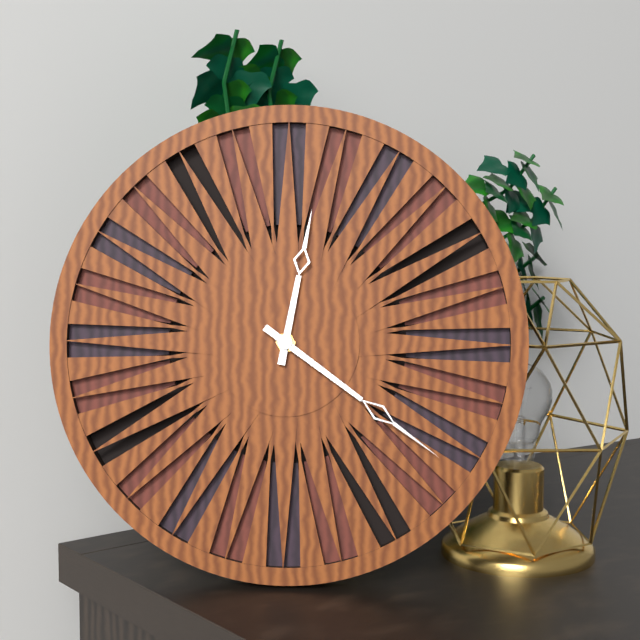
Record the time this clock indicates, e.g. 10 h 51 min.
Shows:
12 h 21 min
